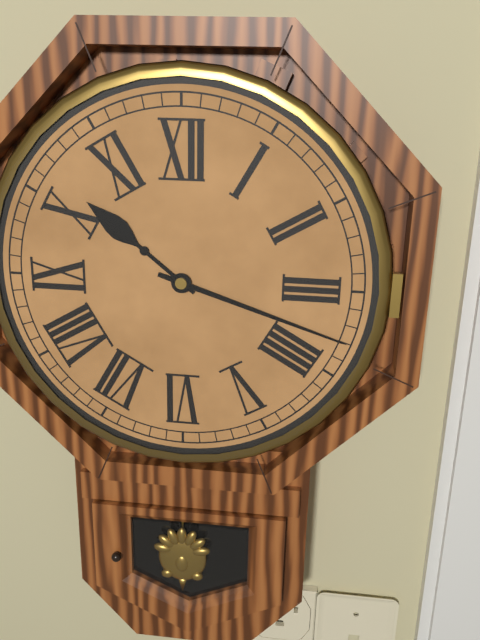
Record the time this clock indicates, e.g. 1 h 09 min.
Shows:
10 h 18 min
